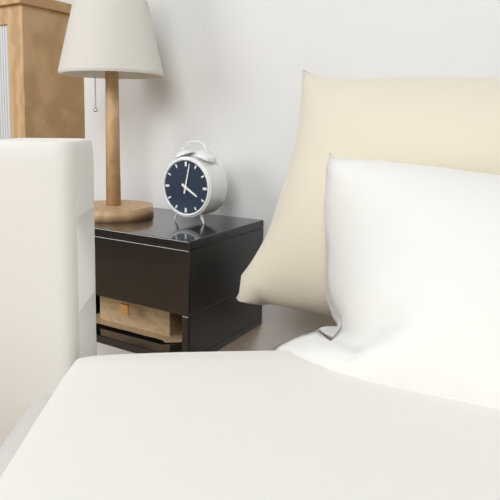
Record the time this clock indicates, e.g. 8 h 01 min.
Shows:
4 h 02 min
